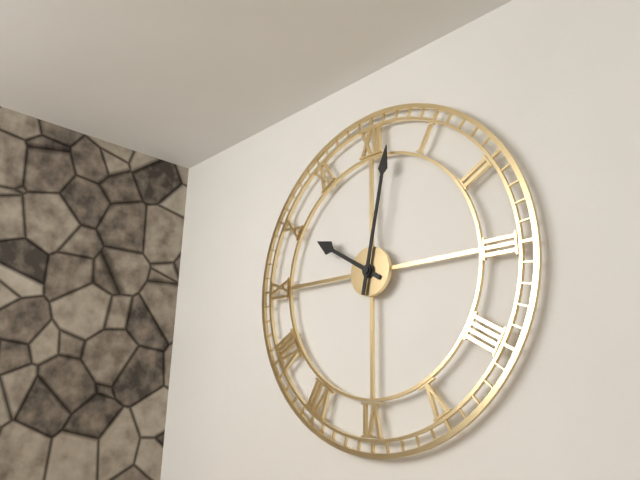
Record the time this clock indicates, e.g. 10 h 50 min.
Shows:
10 h 02 min
